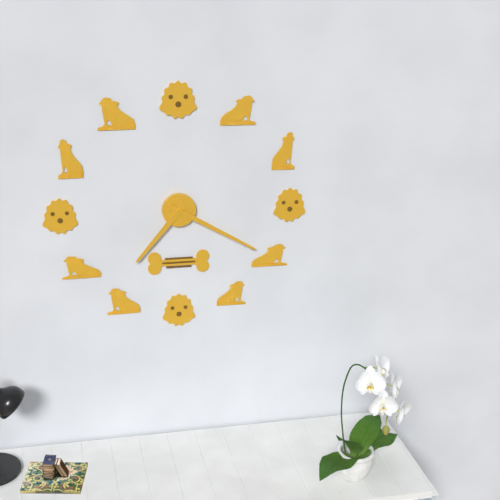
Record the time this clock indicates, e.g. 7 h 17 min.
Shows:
7 h 20 min
